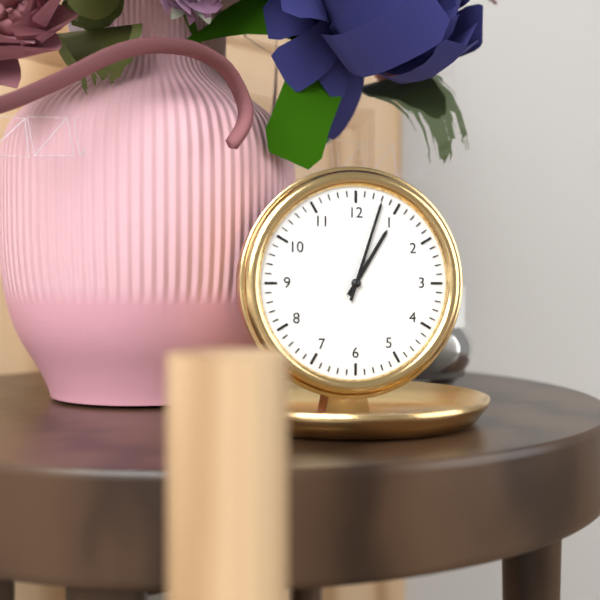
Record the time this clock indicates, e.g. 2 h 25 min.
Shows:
1 h 03 min
